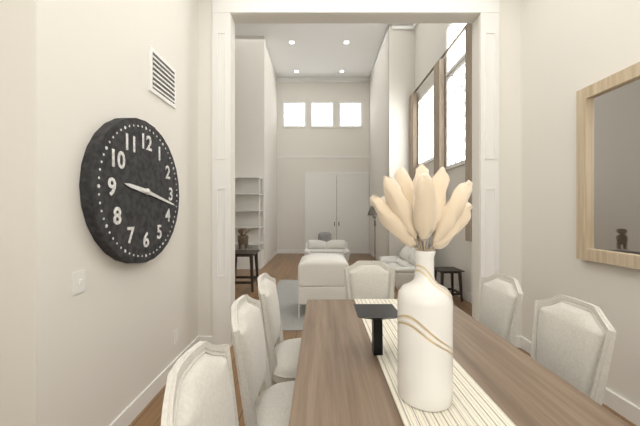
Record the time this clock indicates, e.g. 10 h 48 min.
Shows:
9 h 17 min
